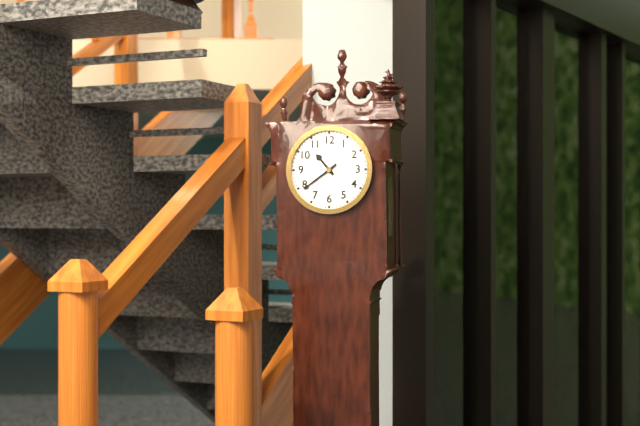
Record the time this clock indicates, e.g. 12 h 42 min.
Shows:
10 h 39 min
